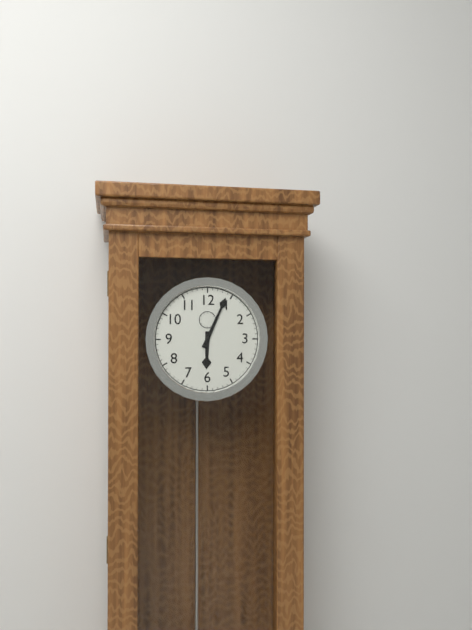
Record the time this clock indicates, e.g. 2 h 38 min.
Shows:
6 h 04 min
